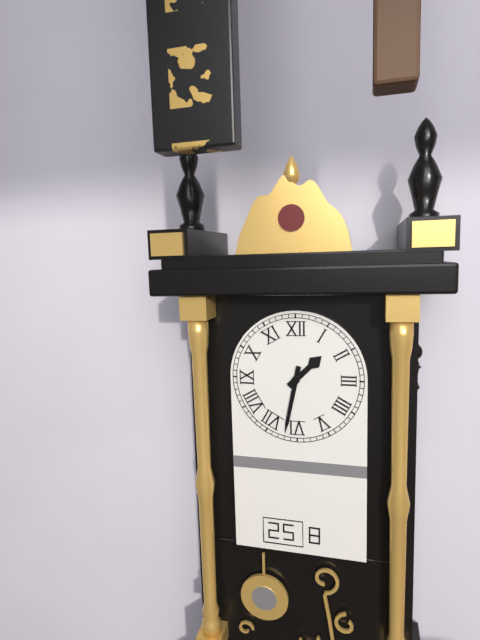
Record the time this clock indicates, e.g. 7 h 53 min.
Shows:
1 h 32 min
